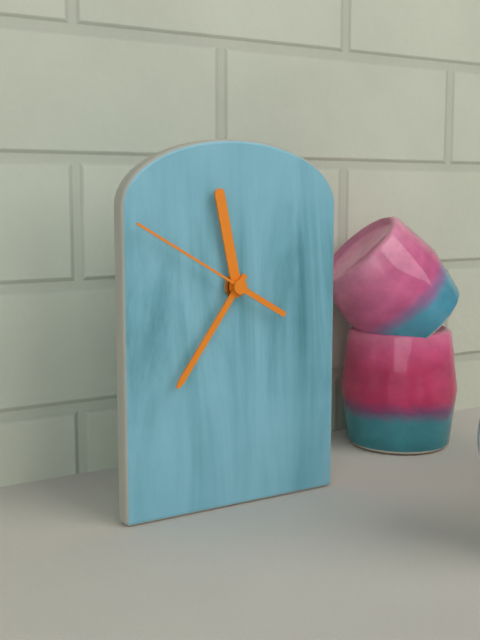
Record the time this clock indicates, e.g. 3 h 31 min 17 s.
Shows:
11 h 36 min 50 s
